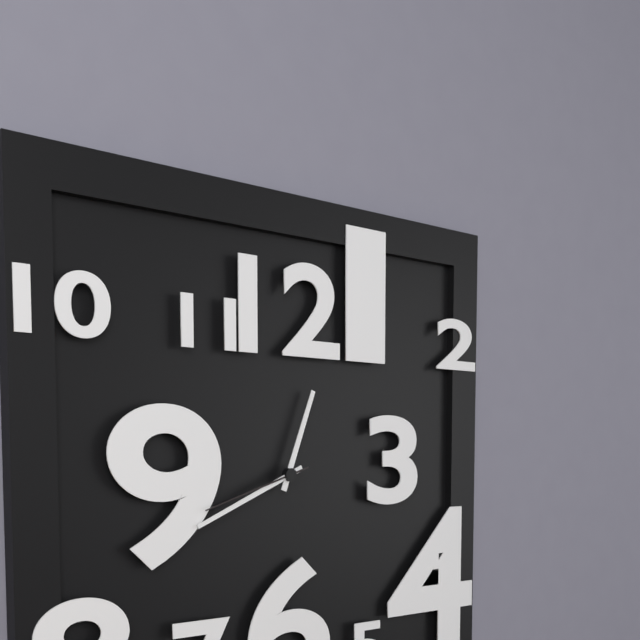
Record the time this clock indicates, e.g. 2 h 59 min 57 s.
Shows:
12 h 41 min 42 s
